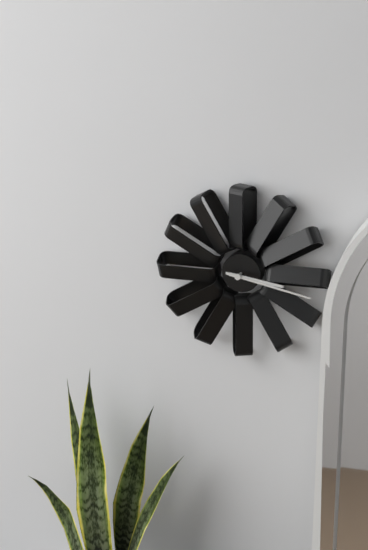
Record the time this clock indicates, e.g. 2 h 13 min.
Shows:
3 h 17 min
